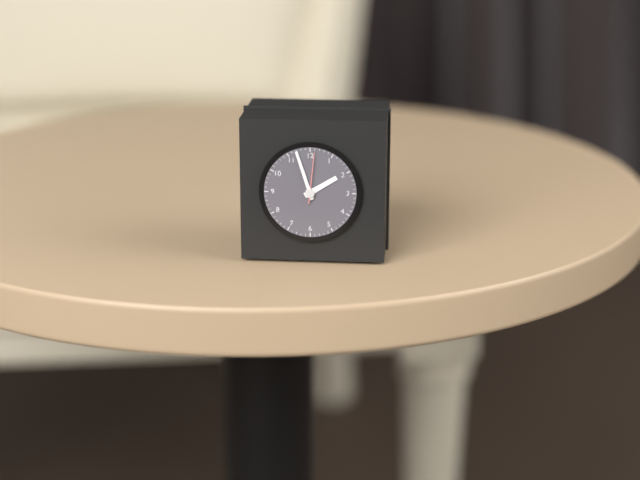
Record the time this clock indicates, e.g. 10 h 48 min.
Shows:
1 h 57 min
